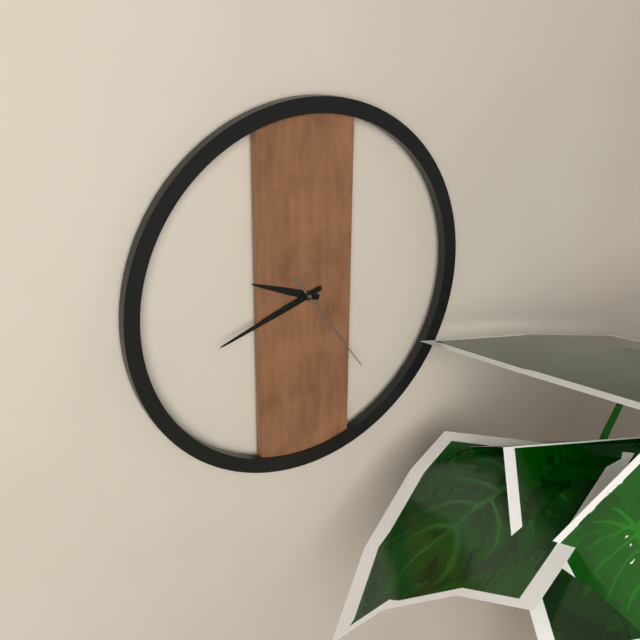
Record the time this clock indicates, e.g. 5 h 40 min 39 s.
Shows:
9 h 42 min 24 s
